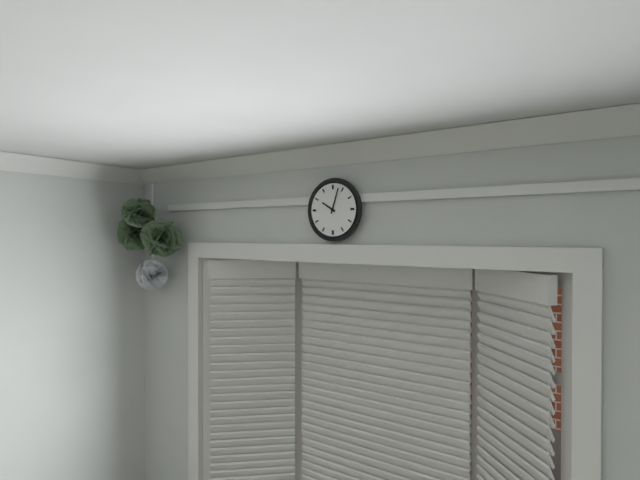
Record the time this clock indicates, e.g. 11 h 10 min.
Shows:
10 h 03 min
